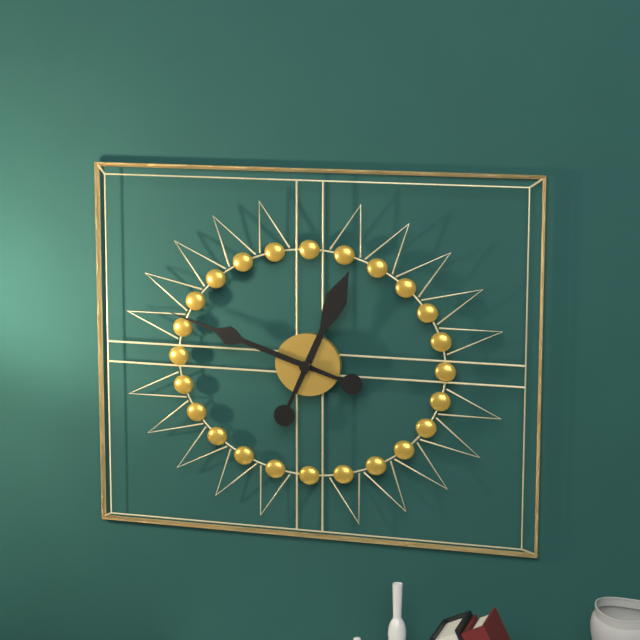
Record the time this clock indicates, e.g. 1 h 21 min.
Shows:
12 h 48 min
